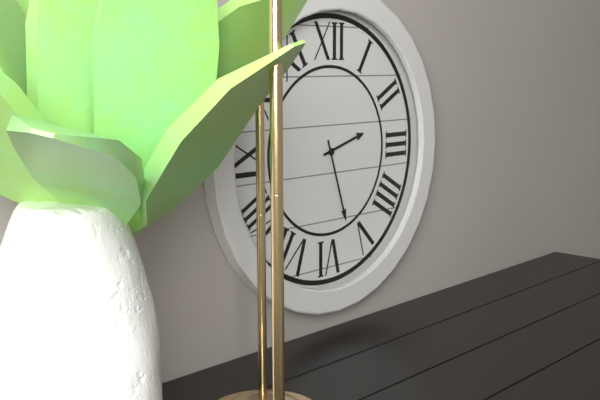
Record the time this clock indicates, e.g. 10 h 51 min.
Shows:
2 h 27 min
